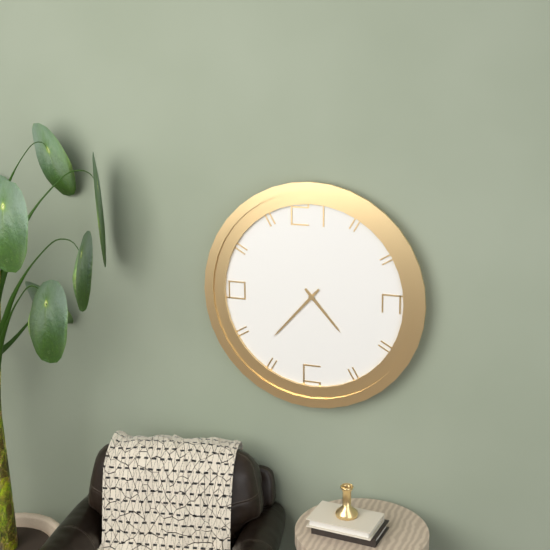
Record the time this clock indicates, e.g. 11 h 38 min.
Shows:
4 h 37 min
